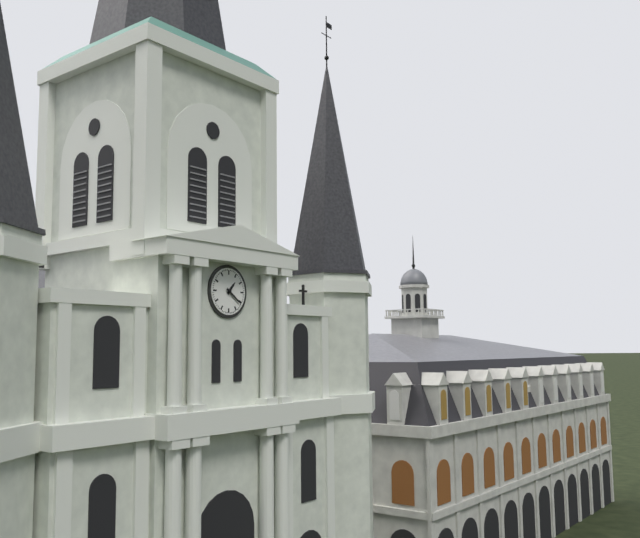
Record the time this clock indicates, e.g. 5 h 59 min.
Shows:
1 h 21 min
